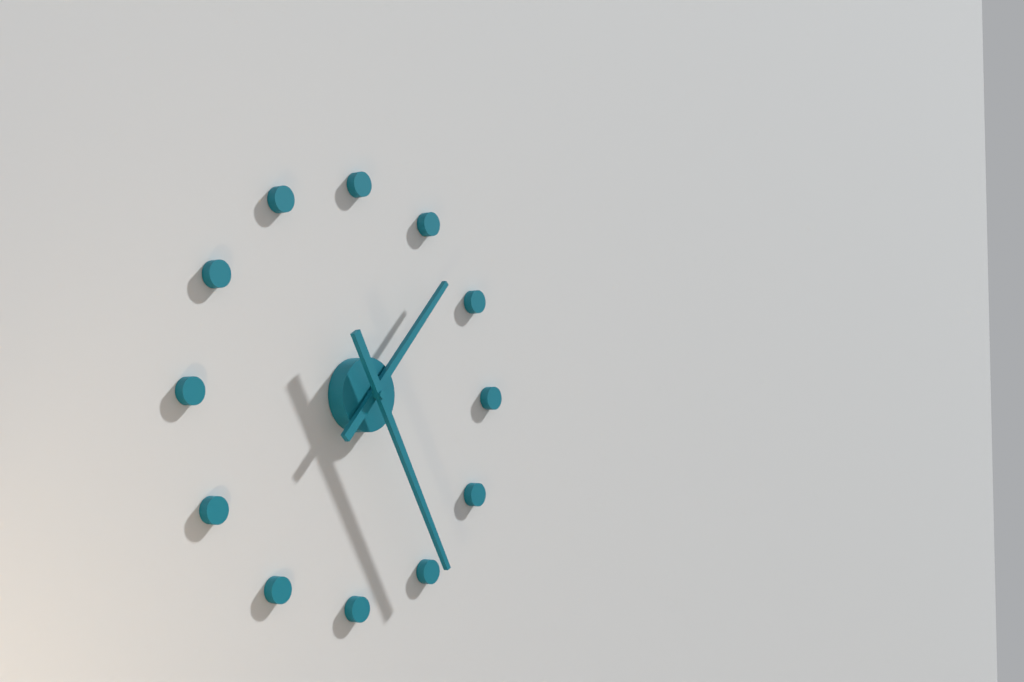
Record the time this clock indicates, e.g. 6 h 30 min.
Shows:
1 h 25 min
